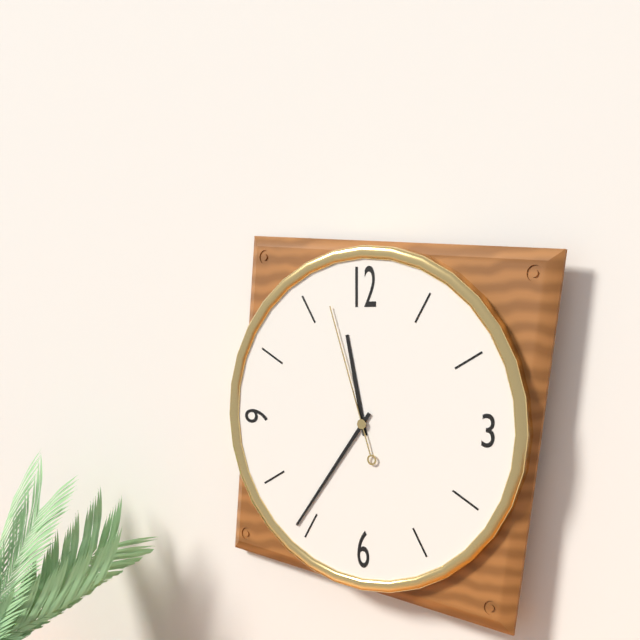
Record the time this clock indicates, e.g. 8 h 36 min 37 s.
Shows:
11 h 36 min 57 s
